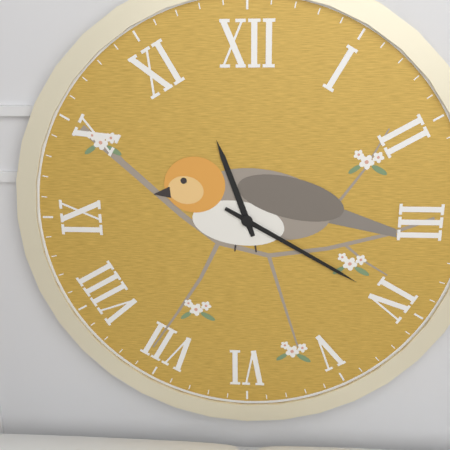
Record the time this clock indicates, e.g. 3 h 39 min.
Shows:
11 h 20 min
